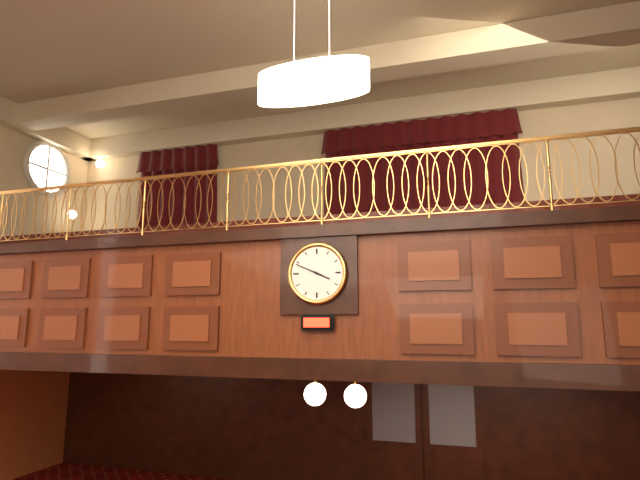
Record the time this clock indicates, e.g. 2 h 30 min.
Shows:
3 h 49 min
